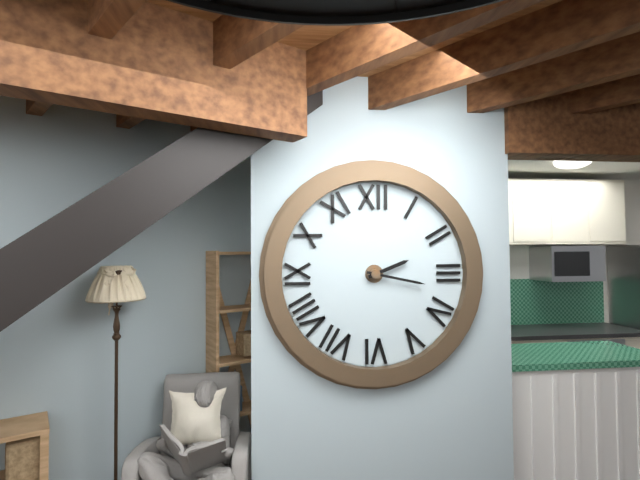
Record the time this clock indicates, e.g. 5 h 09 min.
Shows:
2 h 17 min
